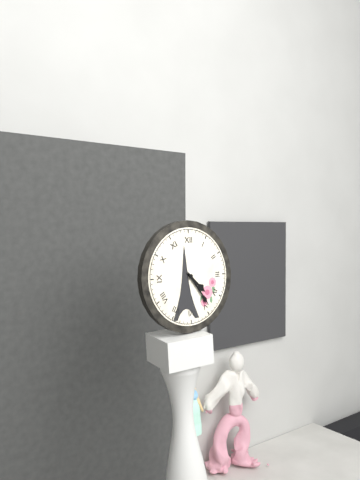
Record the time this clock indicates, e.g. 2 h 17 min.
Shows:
4 h 24 min
